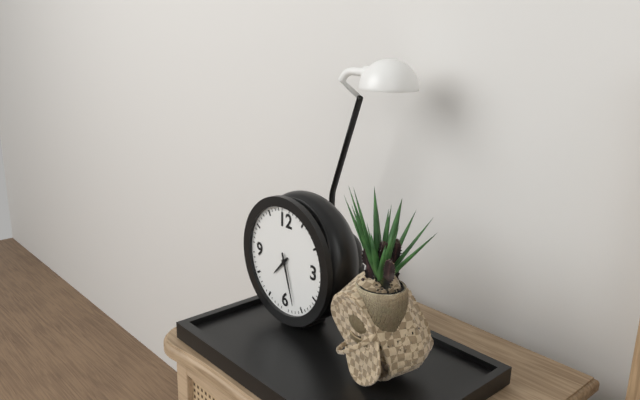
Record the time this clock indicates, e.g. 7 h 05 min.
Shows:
7 h 27 min
